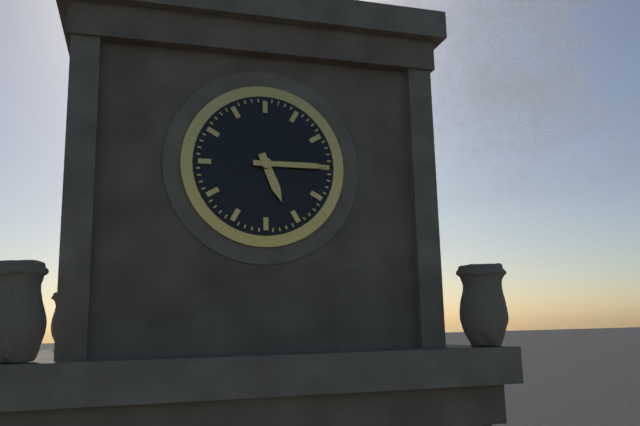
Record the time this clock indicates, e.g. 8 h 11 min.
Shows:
5 h 15 min
